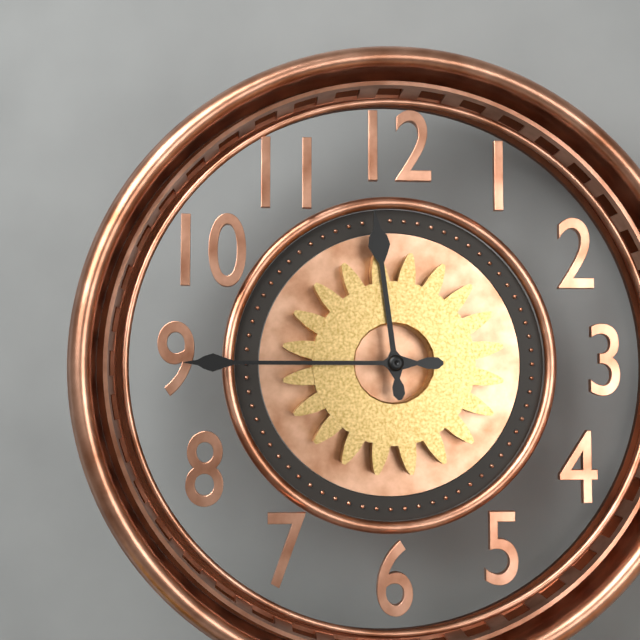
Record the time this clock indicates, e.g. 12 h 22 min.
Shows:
11 h 45 min
